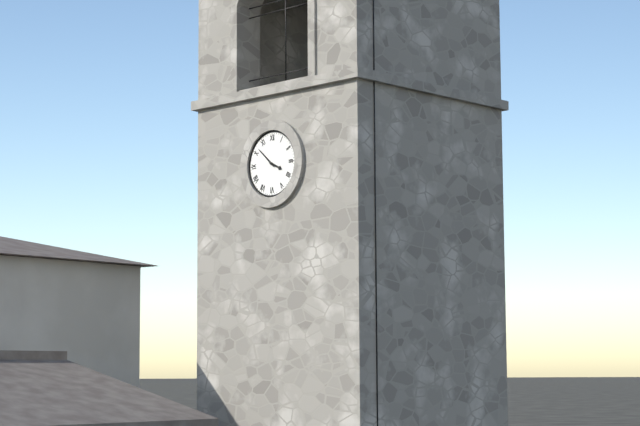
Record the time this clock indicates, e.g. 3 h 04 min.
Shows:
3 h 52 min
